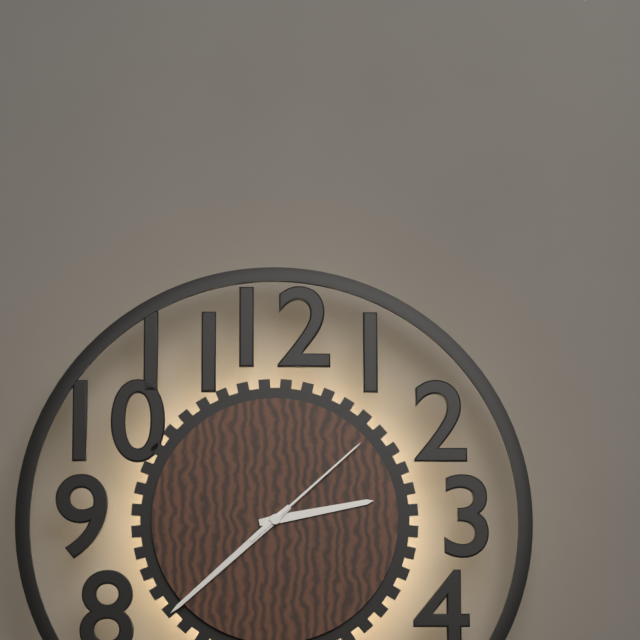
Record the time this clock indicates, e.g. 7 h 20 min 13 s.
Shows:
2 h 38 min 08 s
